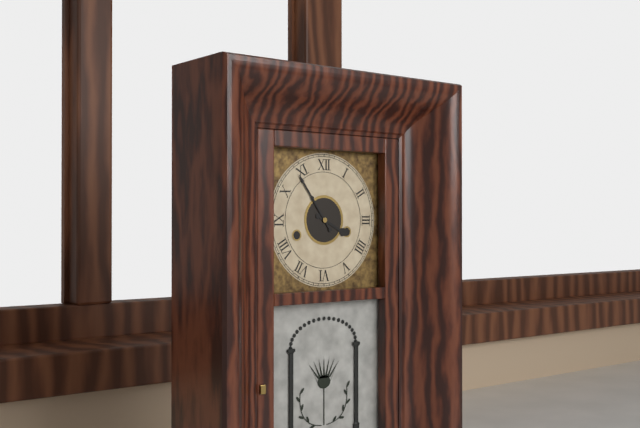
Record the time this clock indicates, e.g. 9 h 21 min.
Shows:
3 h 54 min
